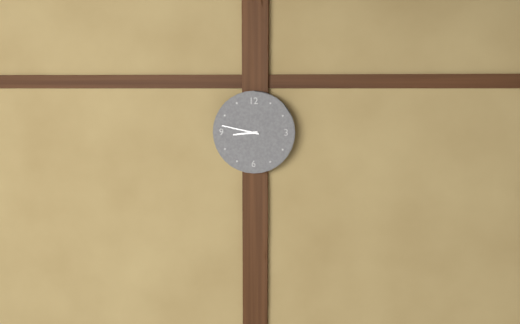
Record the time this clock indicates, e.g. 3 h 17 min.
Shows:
8 h 47 min
